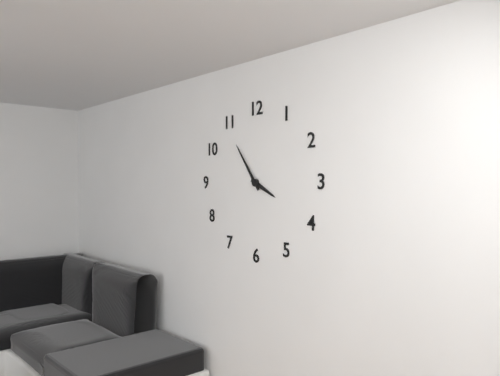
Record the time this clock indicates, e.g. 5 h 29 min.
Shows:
3 h 54 min
